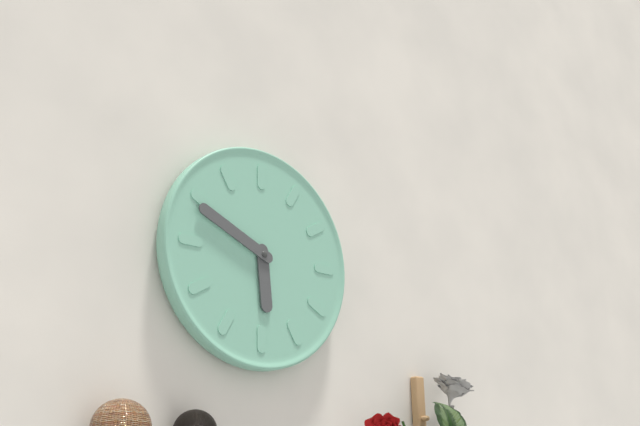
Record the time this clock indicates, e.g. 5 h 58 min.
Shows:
5 h 49 min
